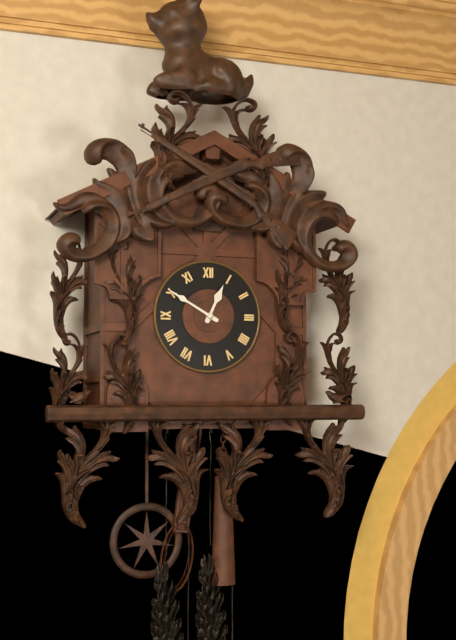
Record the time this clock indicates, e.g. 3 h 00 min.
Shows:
12 h 50 min
